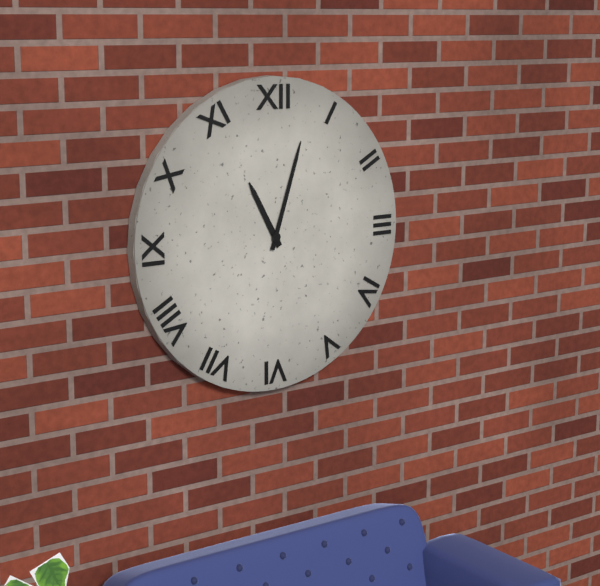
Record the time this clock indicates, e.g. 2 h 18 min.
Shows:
11 h 03 min
